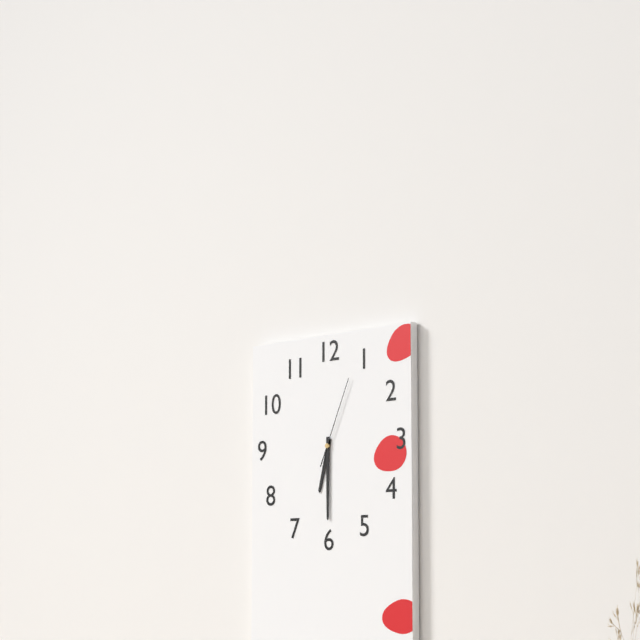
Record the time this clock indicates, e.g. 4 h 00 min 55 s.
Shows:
6 h 30 min 04 s
